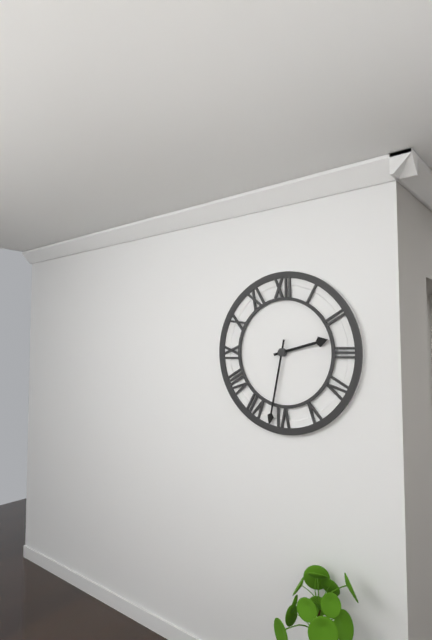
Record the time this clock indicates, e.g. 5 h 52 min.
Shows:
2 h 32 min
